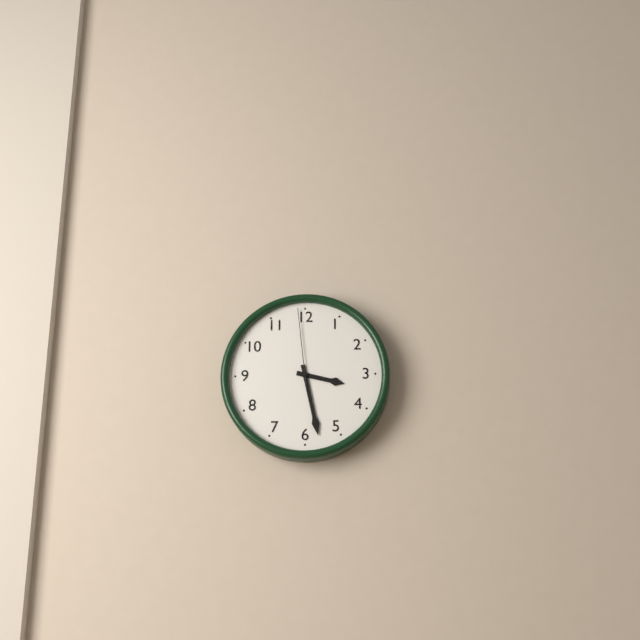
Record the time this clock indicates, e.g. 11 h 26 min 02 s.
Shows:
3 h 28 min 59 s
